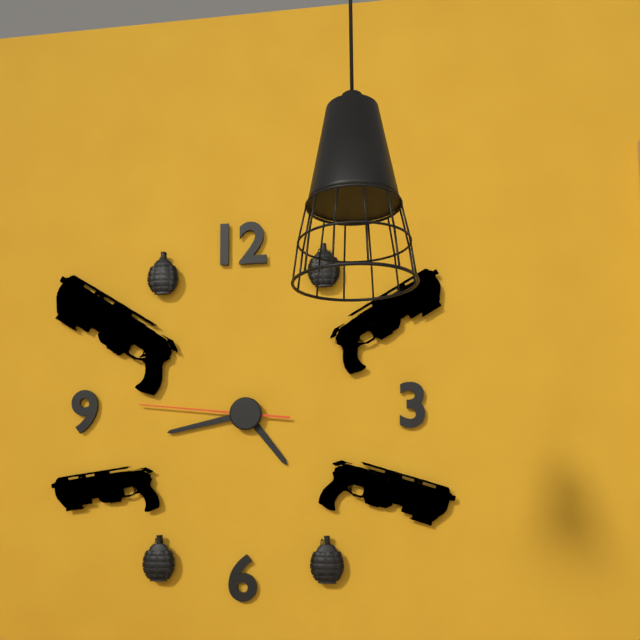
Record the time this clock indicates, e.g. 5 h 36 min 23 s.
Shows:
4 h 43 min 46 s
